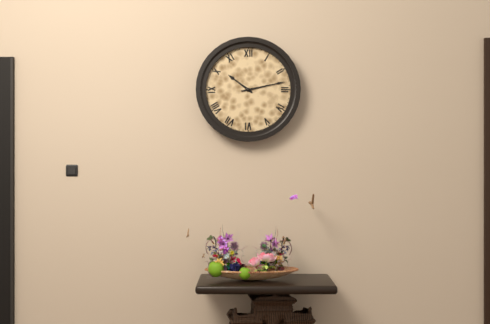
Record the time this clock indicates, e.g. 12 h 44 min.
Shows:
10 h 13 min
